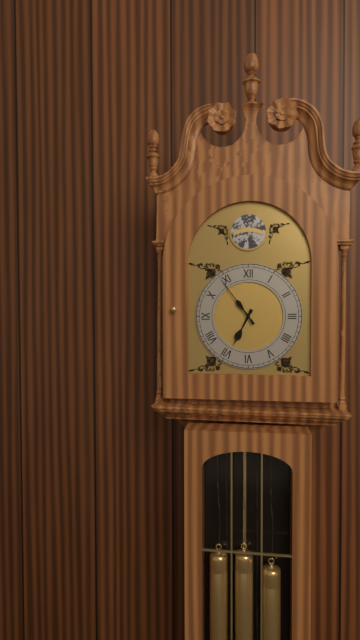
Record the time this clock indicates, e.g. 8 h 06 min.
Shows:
6 h 54 min
